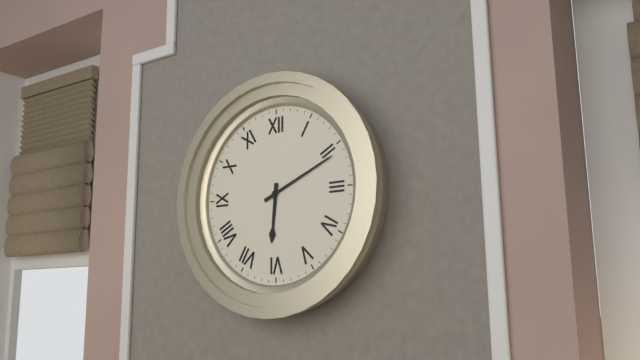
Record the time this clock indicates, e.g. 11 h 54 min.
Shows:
6 h 11 min
